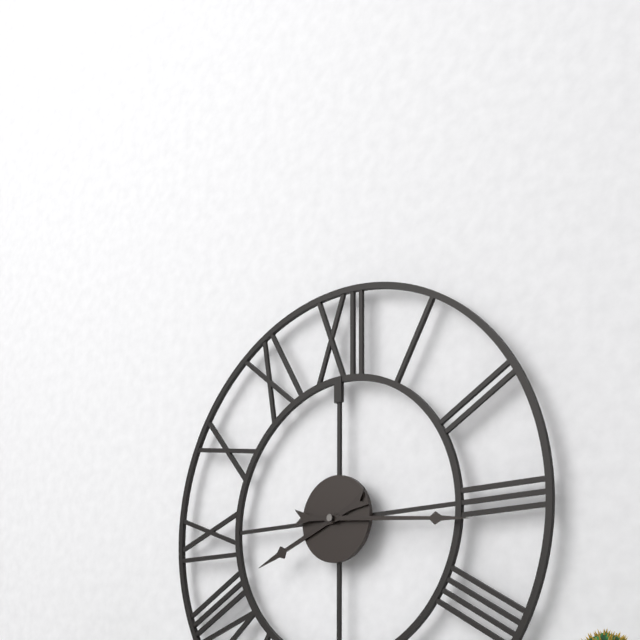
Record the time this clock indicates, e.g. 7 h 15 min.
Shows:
8 h 16 min
